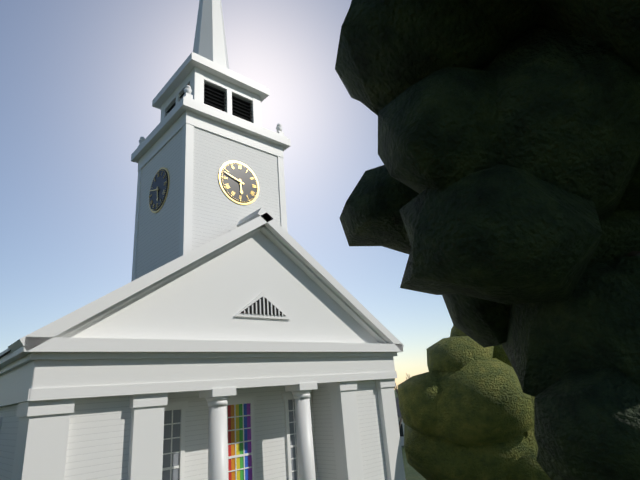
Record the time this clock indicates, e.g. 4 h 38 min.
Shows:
5 h 48 min
